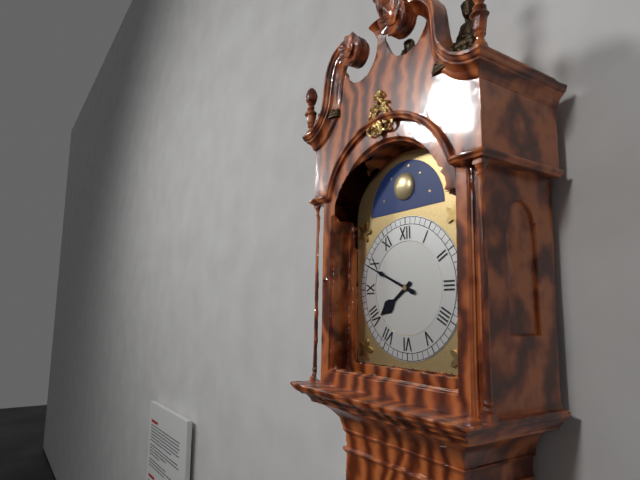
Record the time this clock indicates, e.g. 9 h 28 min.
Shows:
7 h 49 min
